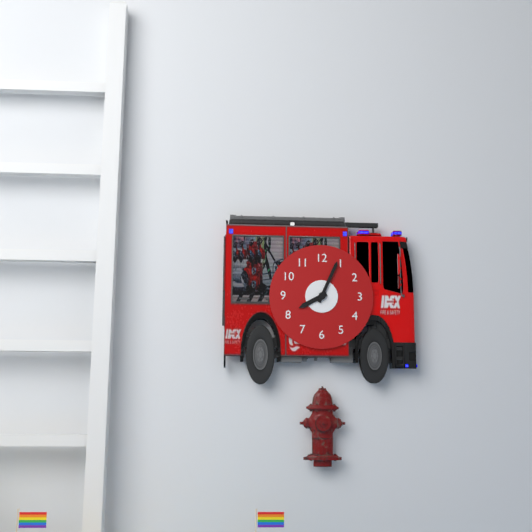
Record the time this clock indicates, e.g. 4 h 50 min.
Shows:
8 h 04 min
